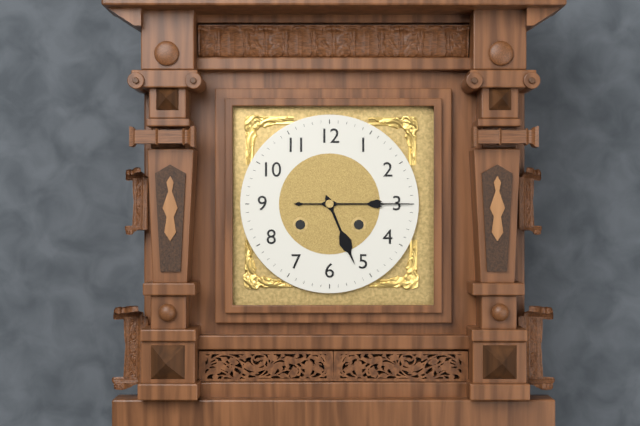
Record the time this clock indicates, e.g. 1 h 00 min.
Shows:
5 h 15 min
